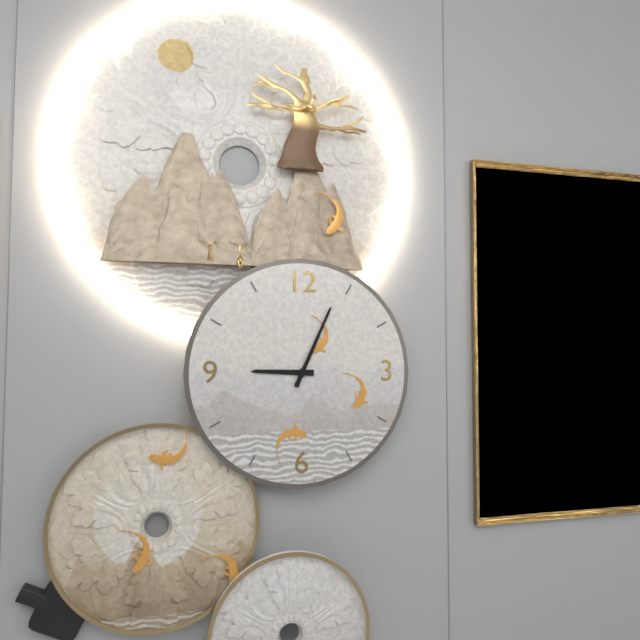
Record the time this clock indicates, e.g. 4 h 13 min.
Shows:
9 h 04 min
